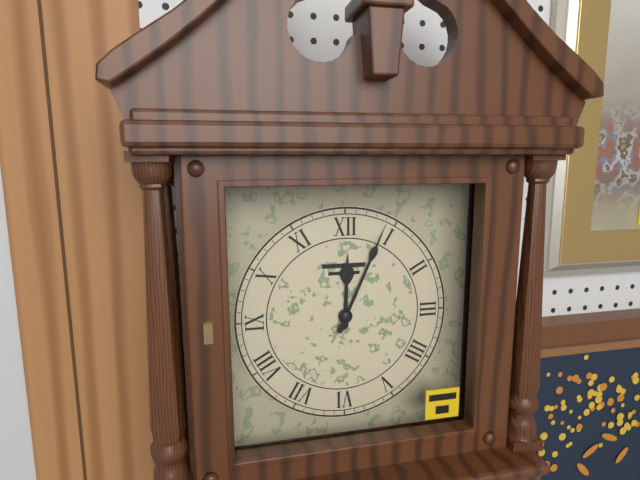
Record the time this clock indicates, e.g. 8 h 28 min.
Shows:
12 h 04 min
